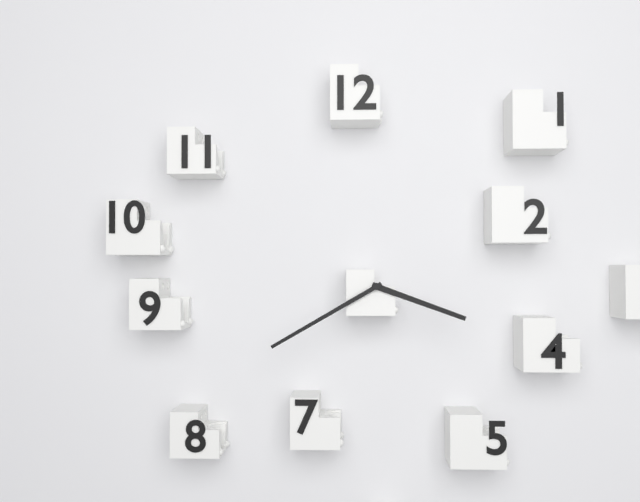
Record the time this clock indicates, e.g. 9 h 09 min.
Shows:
3 h 40 min
